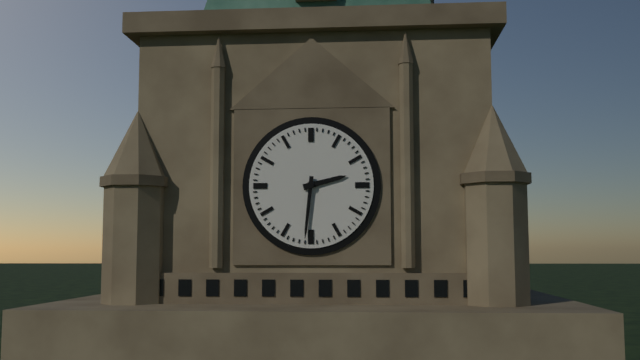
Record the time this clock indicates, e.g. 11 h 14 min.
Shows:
2 h 31 min
